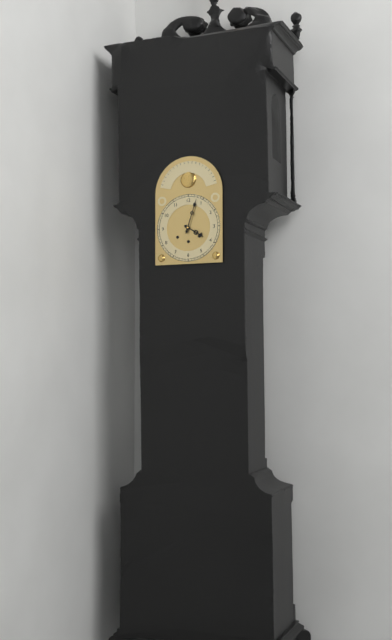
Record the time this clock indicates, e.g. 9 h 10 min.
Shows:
4 h 03 min
